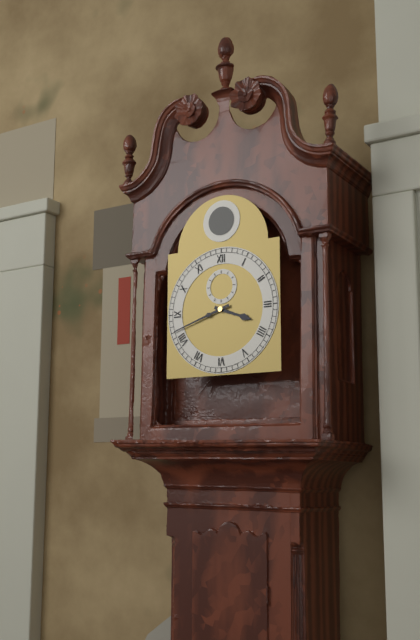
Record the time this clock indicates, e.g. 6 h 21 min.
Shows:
3 h 42 min
